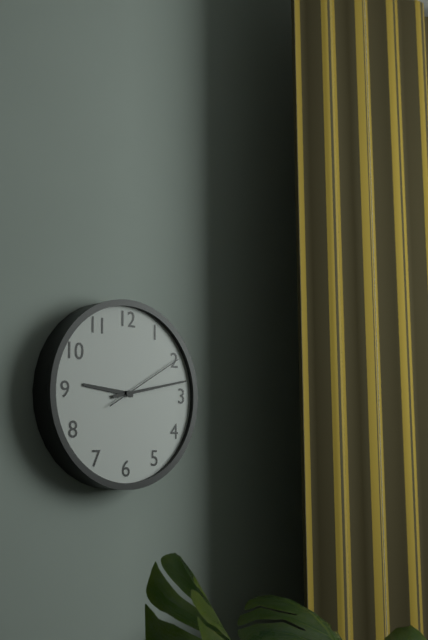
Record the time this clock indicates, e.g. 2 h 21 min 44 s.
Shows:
9 h 13 min 10 s
